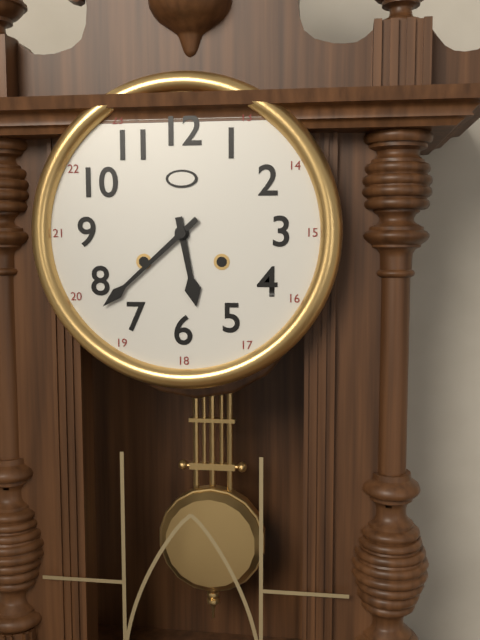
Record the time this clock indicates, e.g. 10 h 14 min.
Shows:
5 h 38 min
